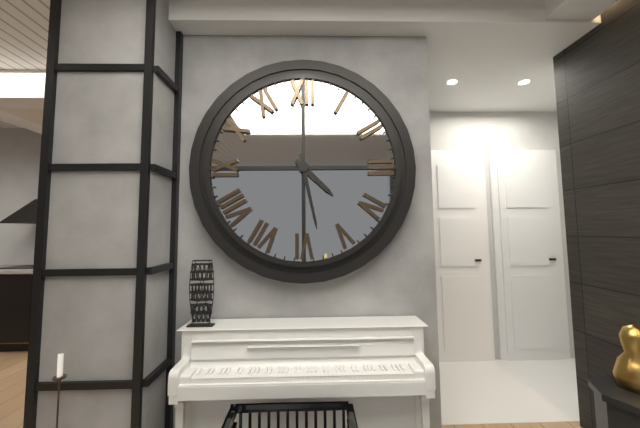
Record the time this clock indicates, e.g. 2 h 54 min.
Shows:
4 h 28 min
